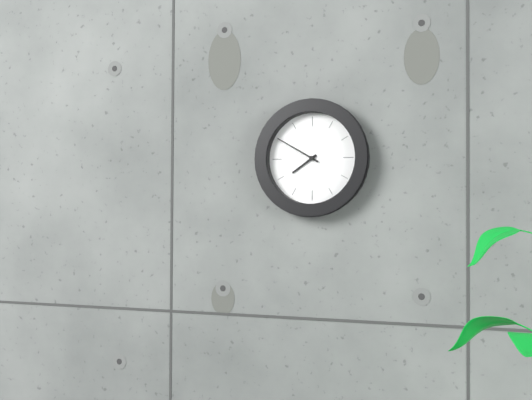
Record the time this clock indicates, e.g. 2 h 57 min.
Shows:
7 h 50 min
